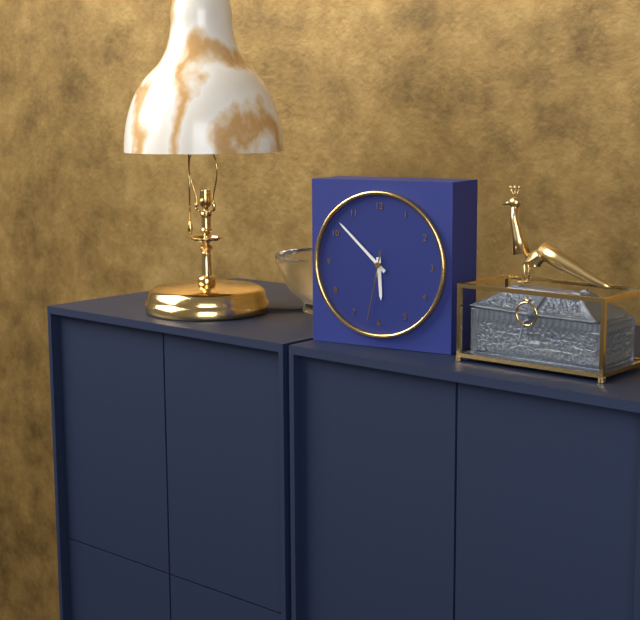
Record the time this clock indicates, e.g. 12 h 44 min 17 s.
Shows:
5 h 52 min 32 s
